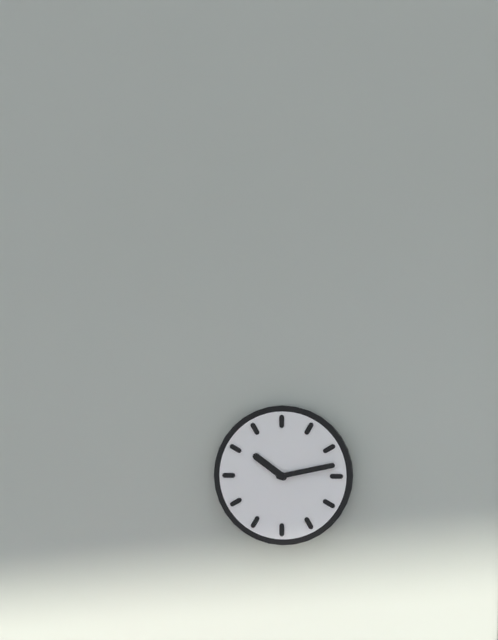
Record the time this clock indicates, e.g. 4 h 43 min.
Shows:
10 h 13 min
